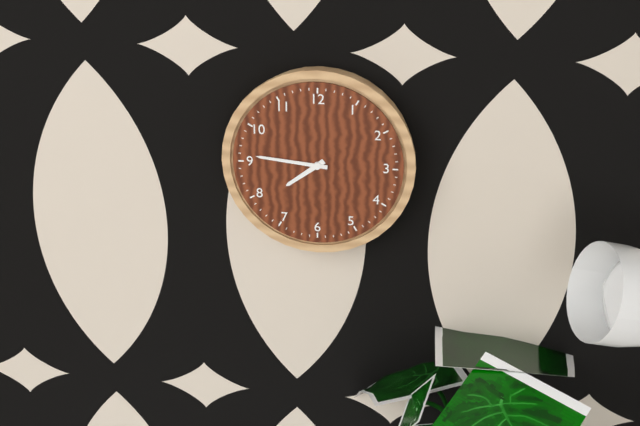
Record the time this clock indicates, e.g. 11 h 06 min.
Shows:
7 h 46 min
